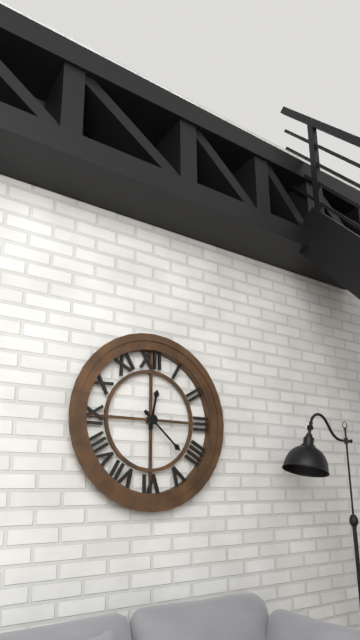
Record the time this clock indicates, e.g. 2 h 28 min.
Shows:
12 h 22 min
